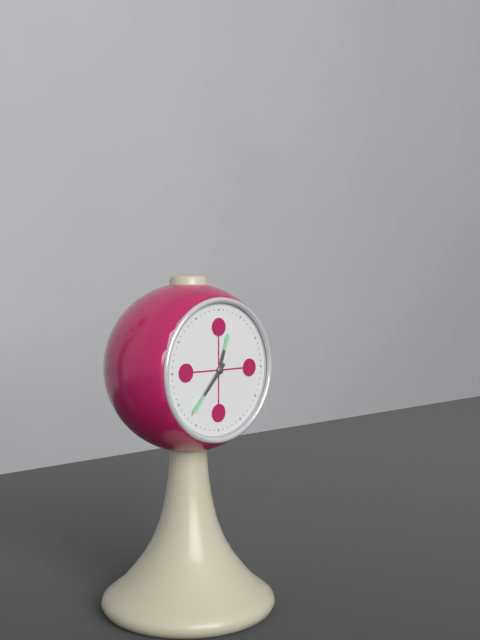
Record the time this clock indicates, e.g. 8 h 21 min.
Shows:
12 h 37 min
